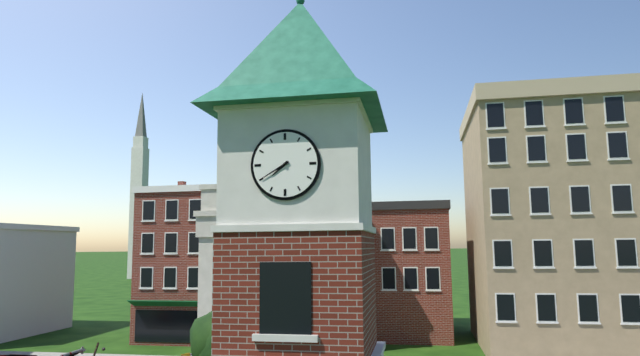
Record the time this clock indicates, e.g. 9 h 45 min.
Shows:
7 h 40 min
